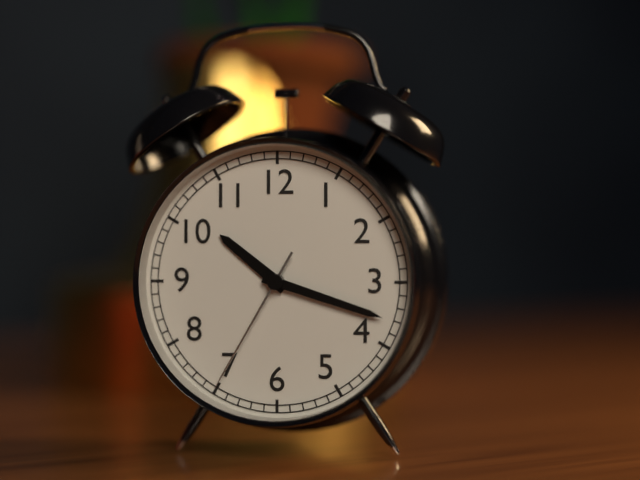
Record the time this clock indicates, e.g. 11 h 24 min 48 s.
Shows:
10 h 18 min 35 s
